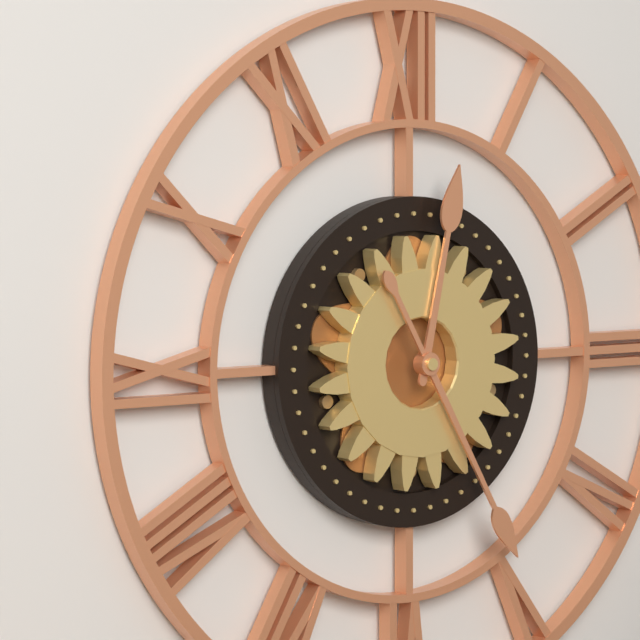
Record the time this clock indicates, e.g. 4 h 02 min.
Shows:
12 h 25 min
